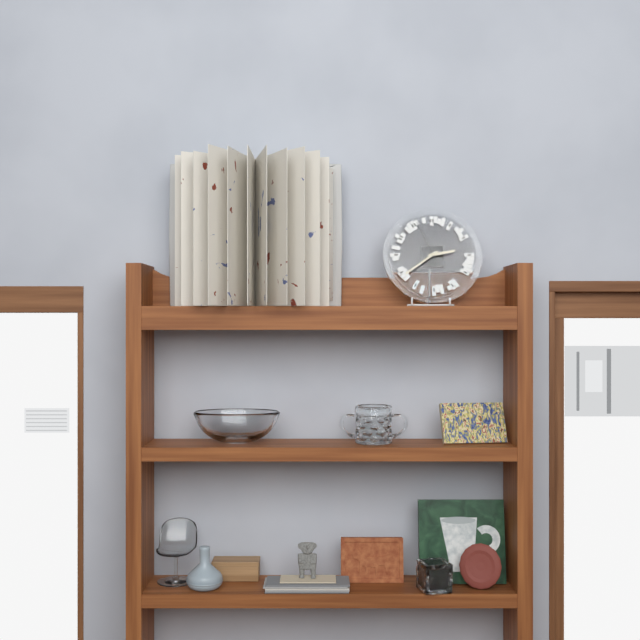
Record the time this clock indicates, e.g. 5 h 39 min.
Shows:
2 h 39 min
